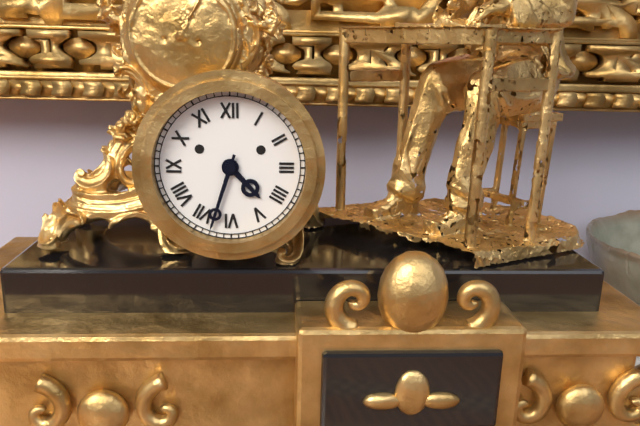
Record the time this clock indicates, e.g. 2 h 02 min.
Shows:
4 h 33 min
